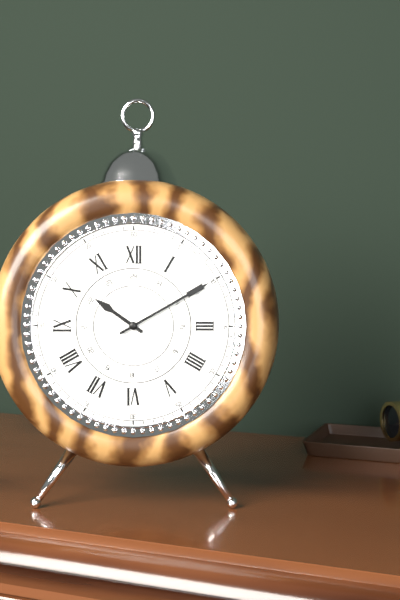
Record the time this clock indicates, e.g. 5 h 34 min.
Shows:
10 h 10 min
